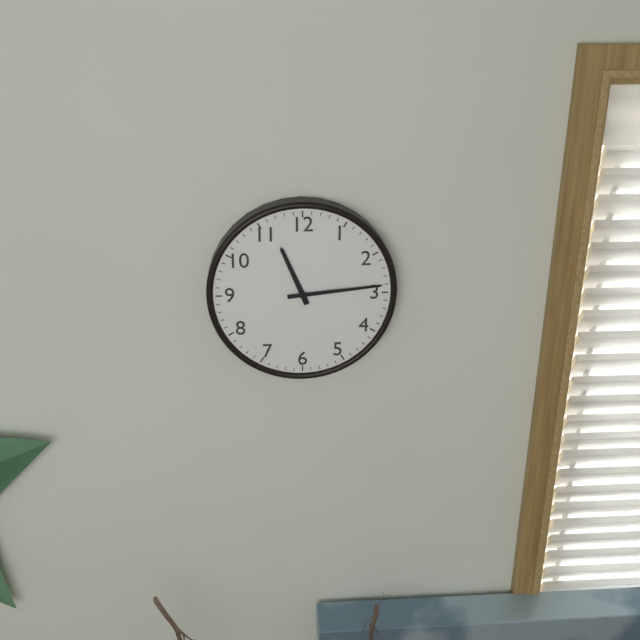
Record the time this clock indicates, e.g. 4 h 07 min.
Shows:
11 h 14 min
